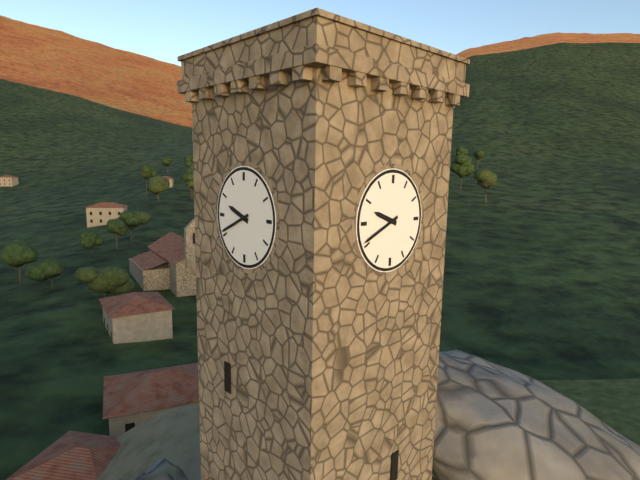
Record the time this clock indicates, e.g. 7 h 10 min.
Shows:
9 h 41 min
